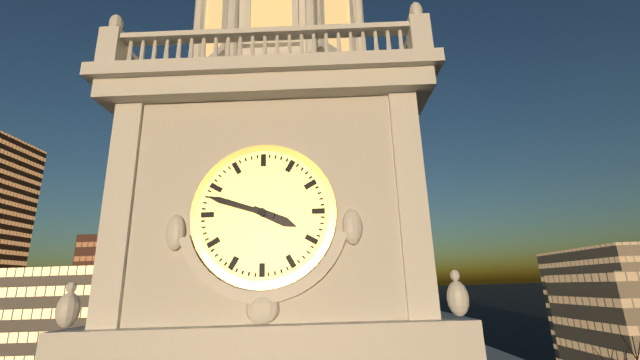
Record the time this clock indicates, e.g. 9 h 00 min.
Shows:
3 h 48 min
